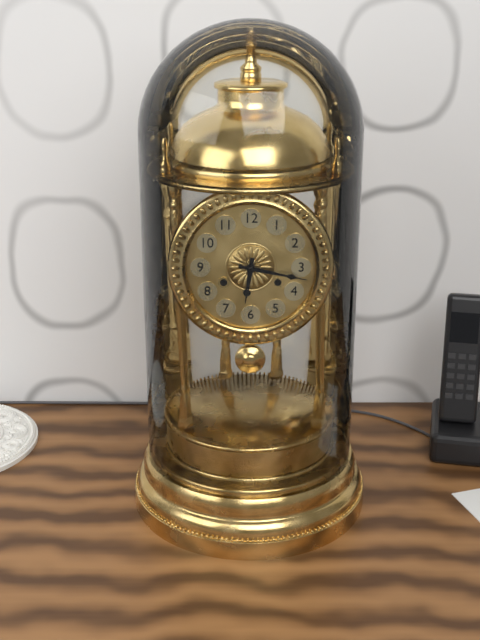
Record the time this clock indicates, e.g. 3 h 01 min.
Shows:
6 h 17 min
